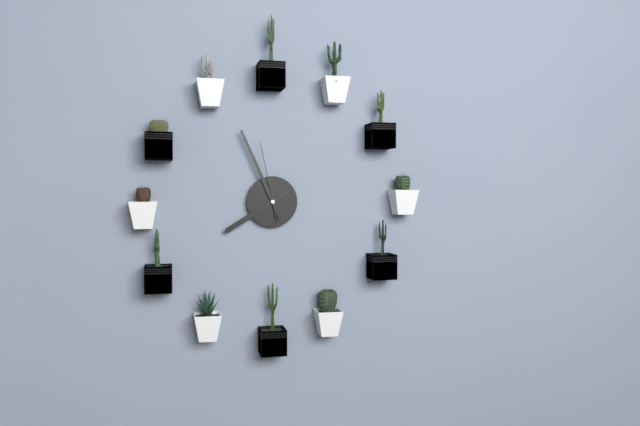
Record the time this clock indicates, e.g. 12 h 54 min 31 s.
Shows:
7 h 56 min 58 s
